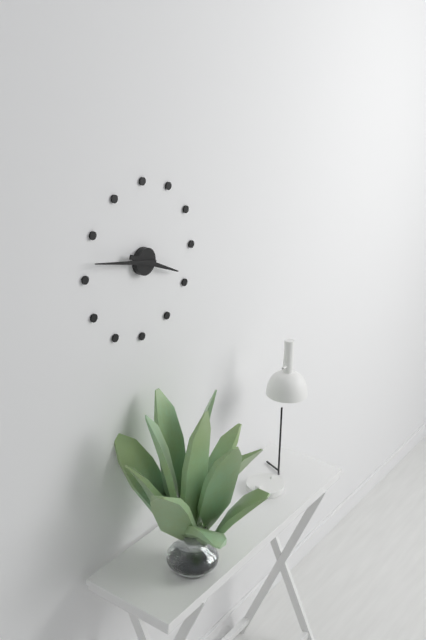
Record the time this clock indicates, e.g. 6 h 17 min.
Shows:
3 h 47 min
